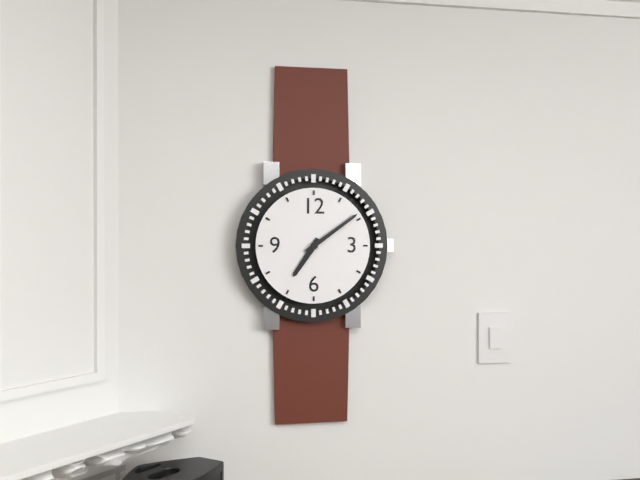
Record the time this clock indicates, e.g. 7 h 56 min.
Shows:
7 h 09 min
